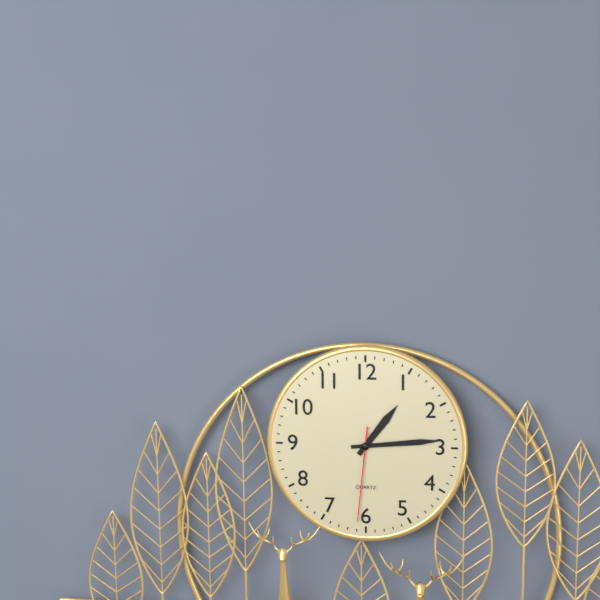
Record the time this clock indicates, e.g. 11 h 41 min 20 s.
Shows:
1 h 14 min 31 s
